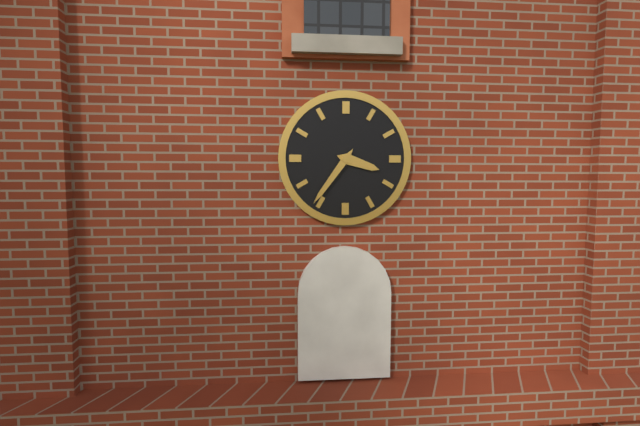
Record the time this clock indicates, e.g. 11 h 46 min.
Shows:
3 h 36 min
